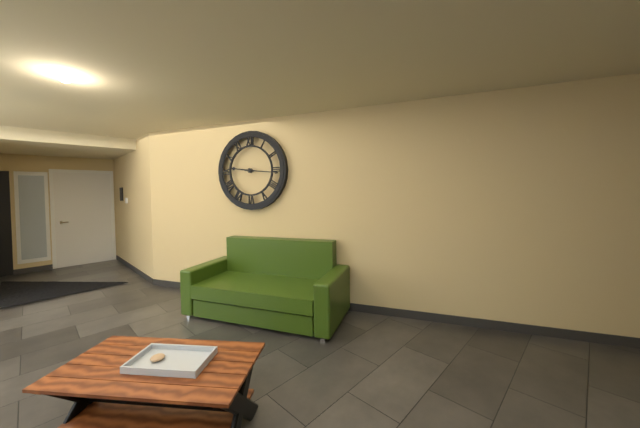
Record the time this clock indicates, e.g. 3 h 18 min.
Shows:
9 h 16 min
